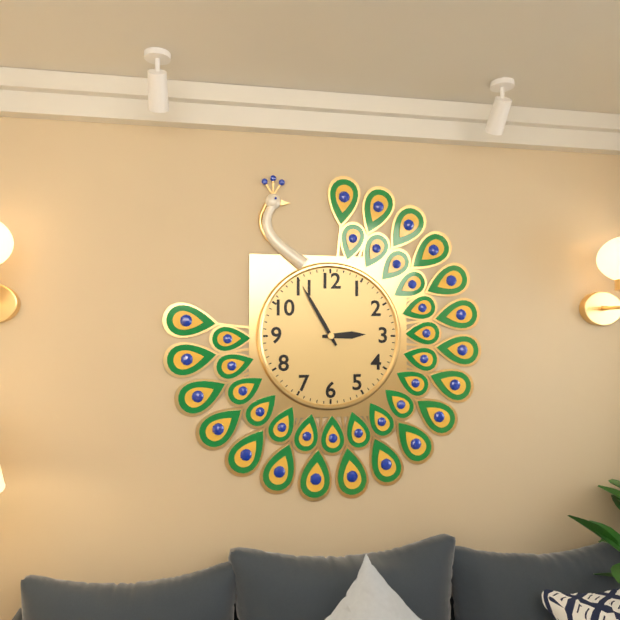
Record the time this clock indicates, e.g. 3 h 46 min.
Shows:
2 h 55 min
